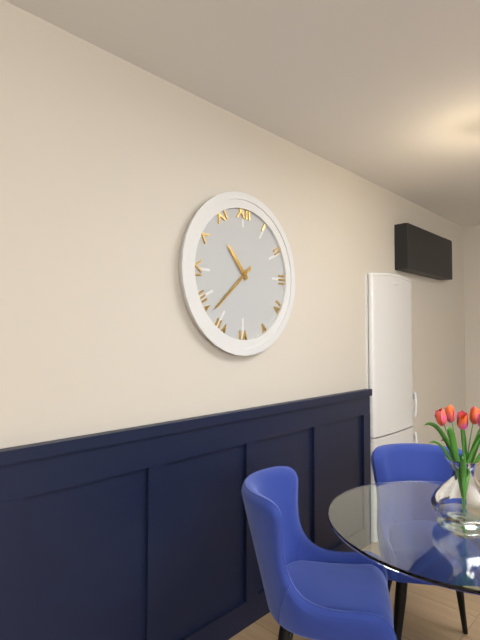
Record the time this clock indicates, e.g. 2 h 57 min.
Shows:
10 h 38 min
